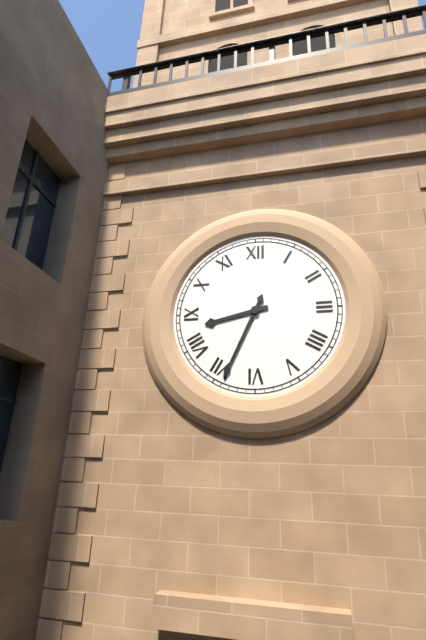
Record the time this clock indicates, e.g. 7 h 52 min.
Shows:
8 h 34 min
